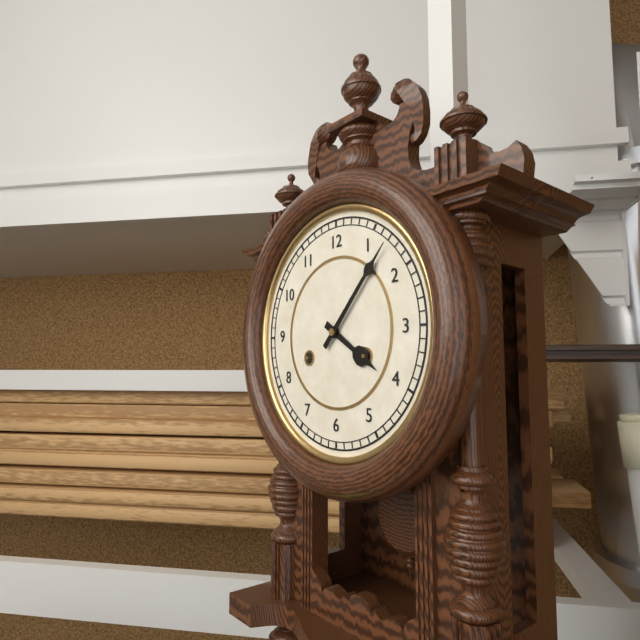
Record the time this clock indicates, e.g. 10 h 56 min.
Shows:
4 h 07 min
